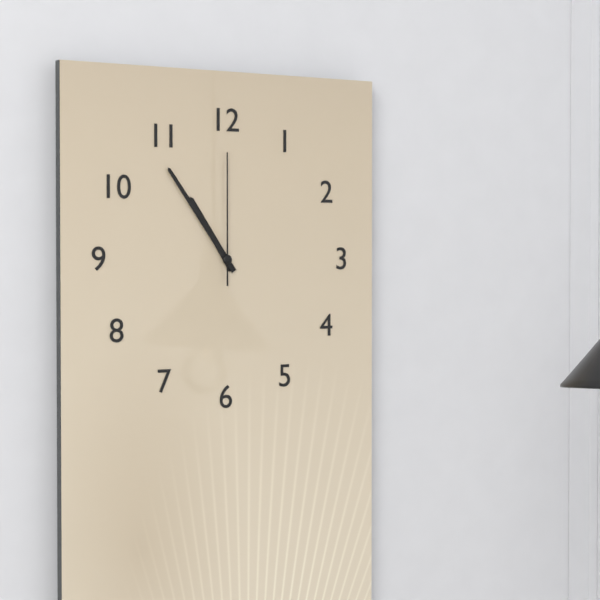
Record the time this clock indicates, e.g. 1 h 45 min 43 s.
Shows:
10 h 54 min 00 s
